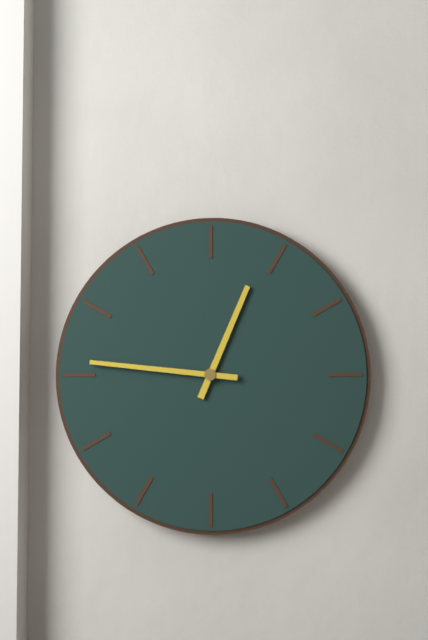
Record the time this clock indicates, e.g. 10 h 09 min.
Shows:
12 h 46 min
